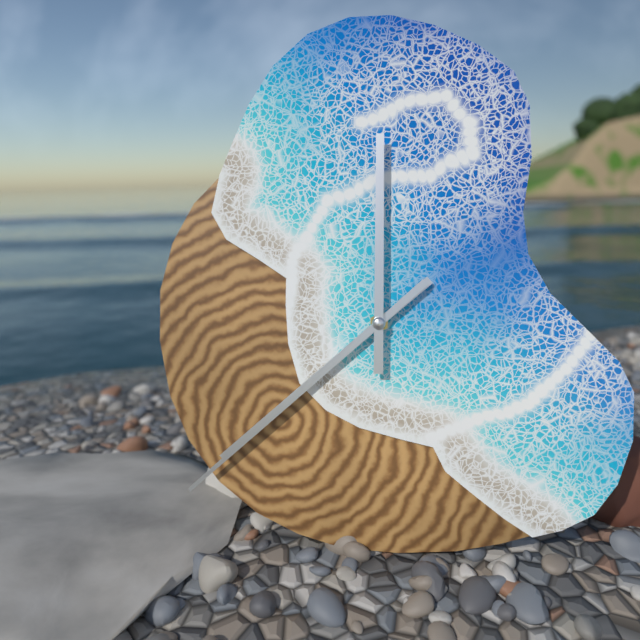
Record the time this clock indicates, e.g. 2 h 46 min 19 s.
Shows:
7 h 38 min 00 s
